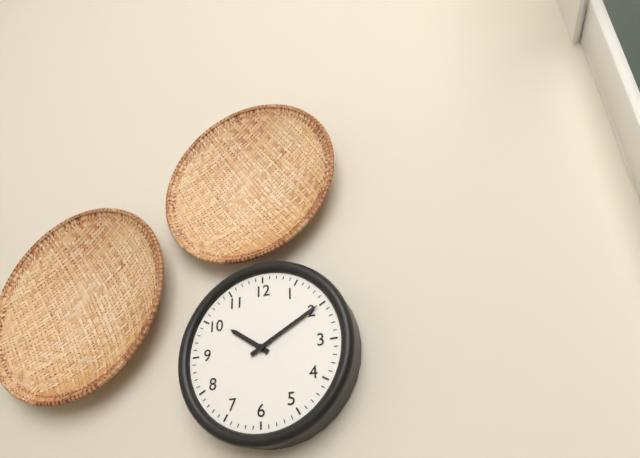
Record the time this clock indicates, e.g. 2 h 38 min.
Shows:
10 h 10 min
